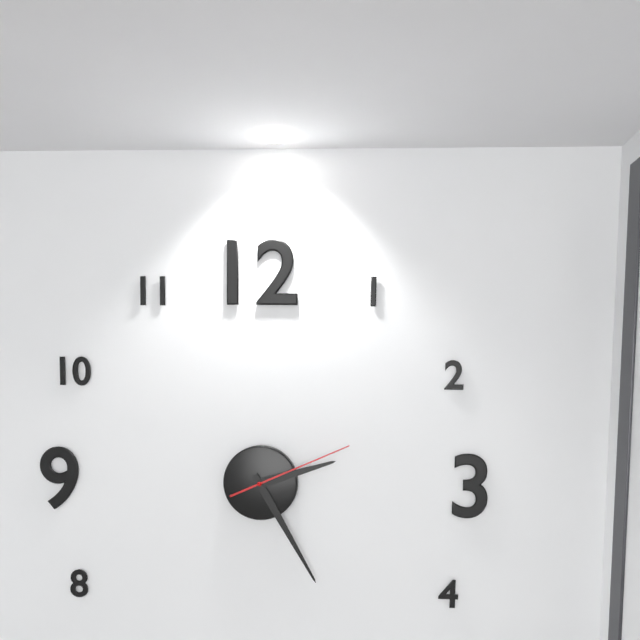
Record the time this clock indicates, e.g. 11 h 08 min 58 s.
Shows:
2 h 25 min 11 s
